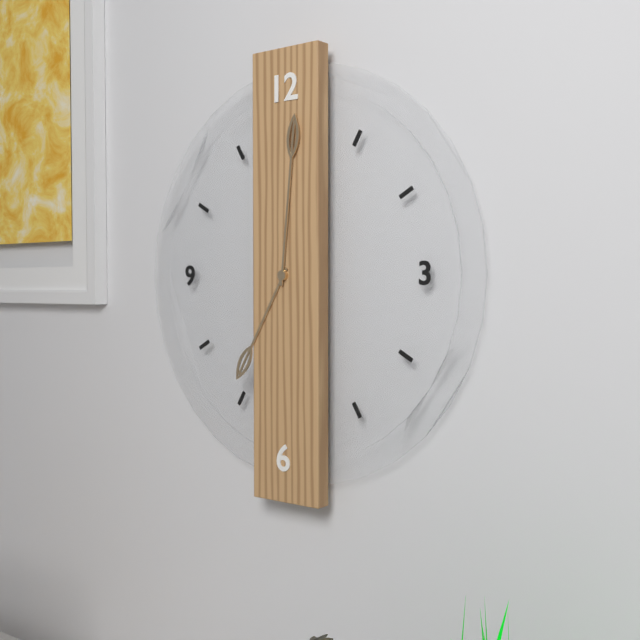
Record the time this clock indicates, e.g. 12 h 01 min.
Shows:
7 h 01 min
